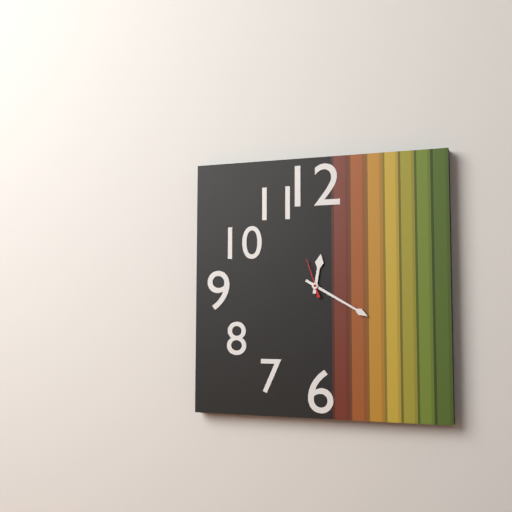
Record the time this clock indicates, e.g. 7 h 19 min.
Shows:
12 h 20 min
